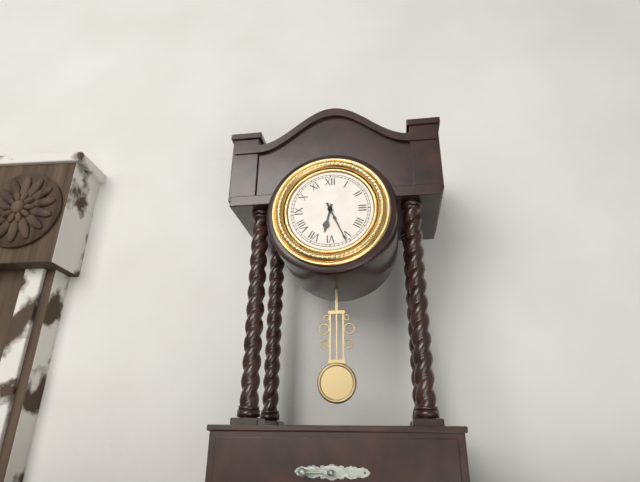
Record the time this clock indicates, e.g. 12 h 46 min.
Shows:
6 h 26 min
